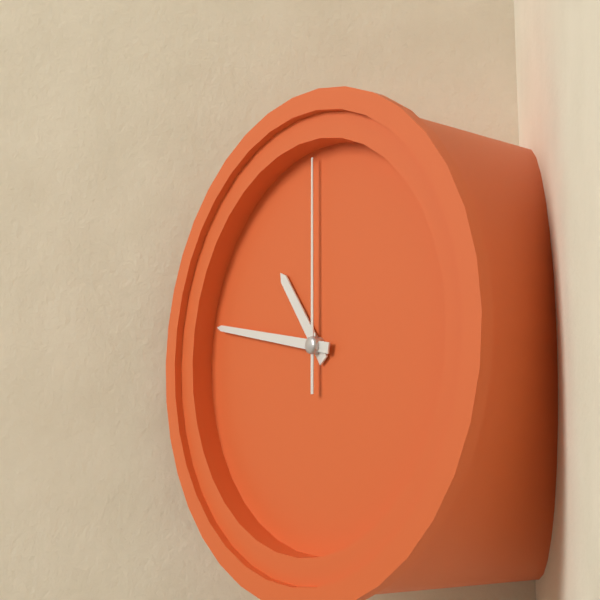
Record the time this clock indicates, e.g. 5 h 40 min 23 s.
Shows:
10 h 47 min 00 s
